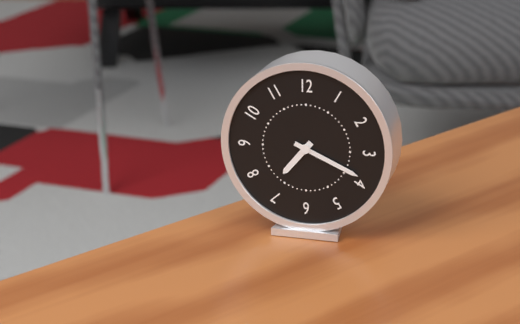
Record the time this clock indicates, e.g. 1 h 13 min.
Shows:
7 h 19 min
